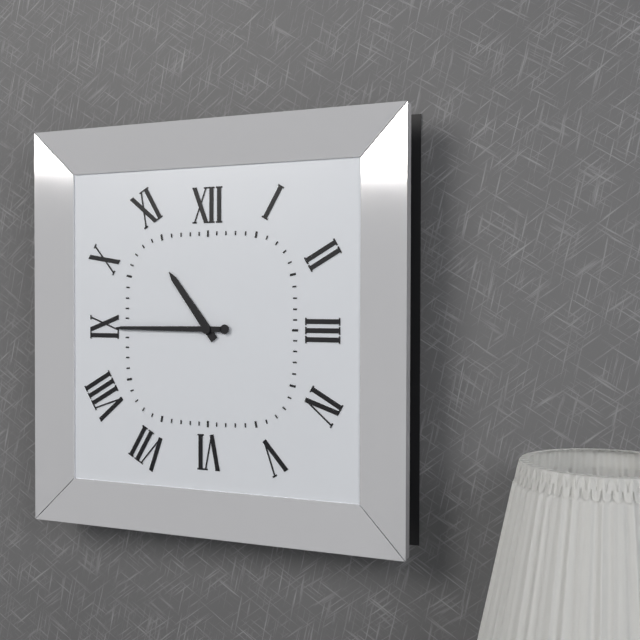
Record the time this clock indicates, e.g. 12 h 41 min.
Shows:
10 h 45 min
